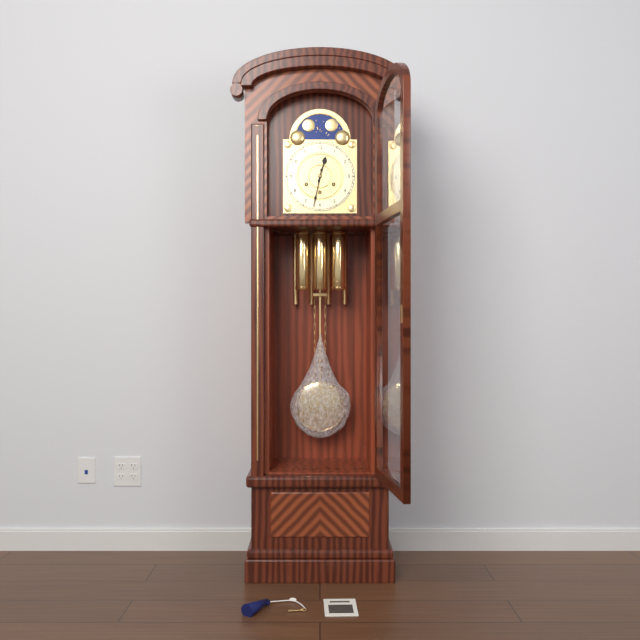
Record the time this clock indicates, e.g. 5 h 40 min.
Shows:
12 h 32 min
